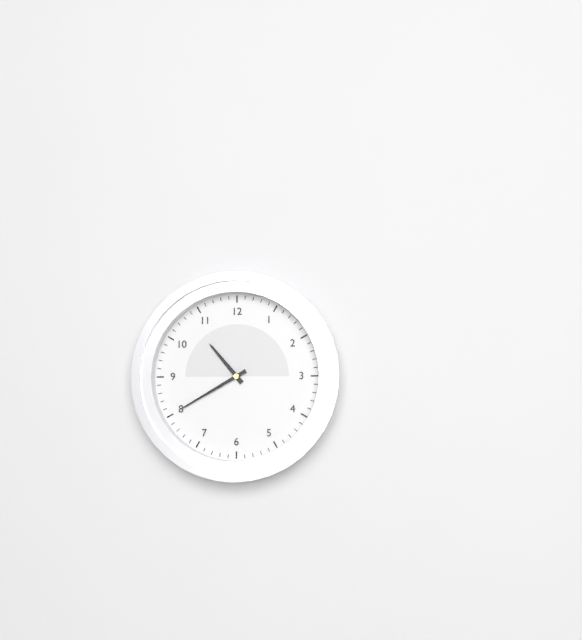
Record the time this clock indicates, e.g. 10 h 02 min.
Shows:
10 h 40 min
